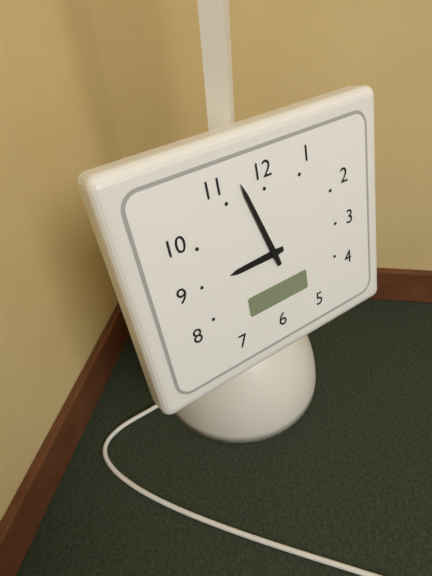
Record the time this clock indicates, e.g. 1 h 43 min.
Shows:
8 h 57 min
